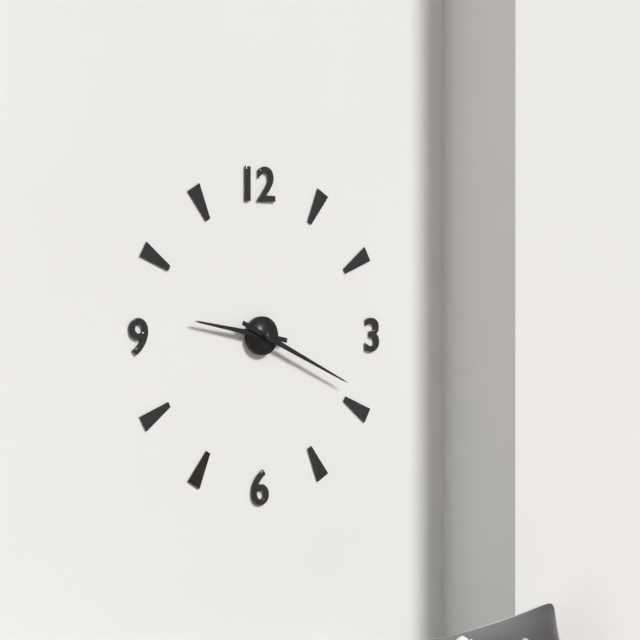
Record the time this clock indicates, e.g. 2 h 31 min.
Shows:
9 h 19 min
